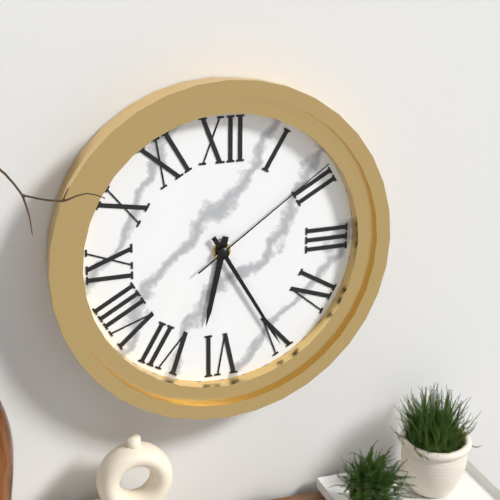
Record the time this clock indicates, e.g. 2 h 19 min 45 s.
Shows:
6 h 25 min 09 s
